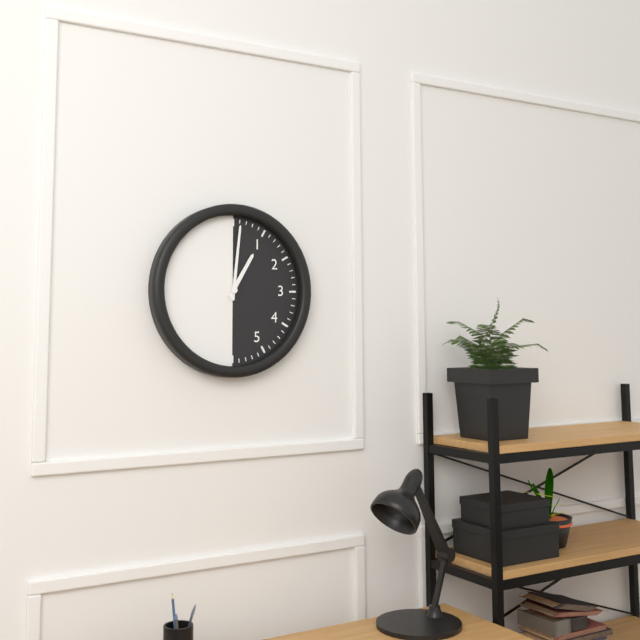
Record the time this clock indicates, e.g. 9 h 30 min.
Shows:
1 h 01 min
